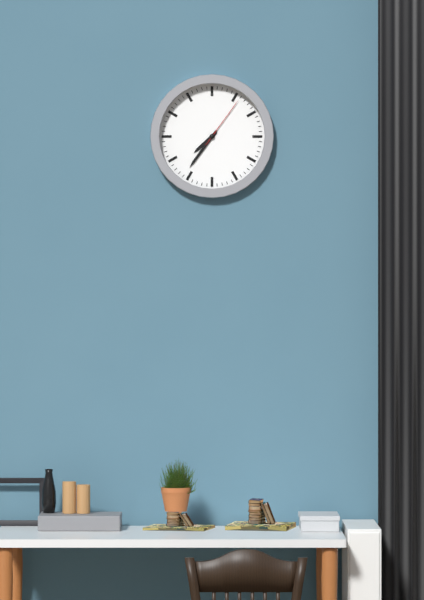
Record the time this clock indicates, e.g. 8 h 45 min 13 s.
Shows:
7 h 36 min 06 s
